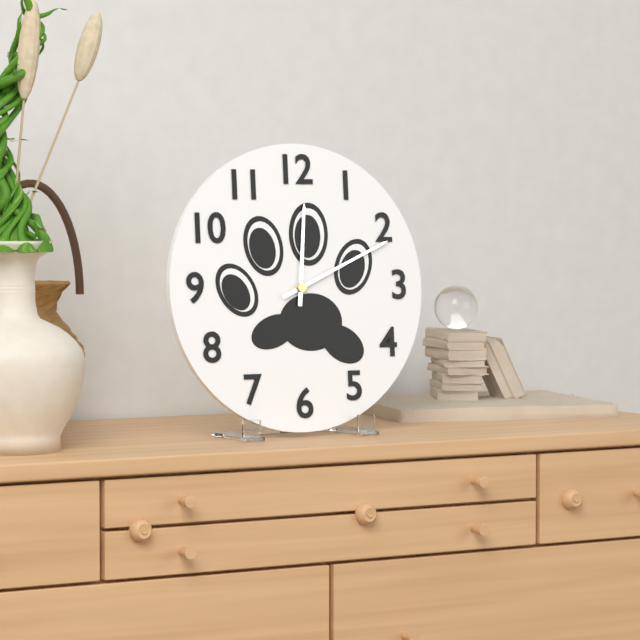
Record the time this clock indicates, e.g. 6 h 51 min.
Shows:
12 h 11 min
